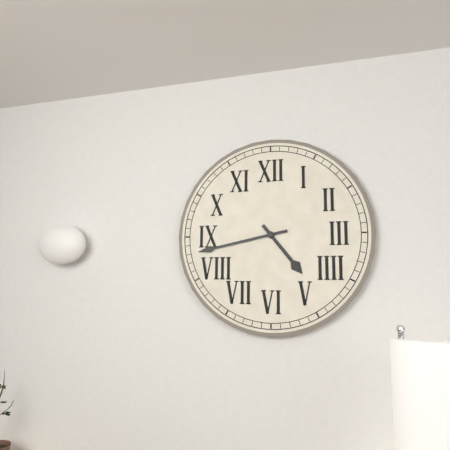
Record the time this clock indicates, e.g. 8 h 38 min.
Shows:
4 h 43 min
